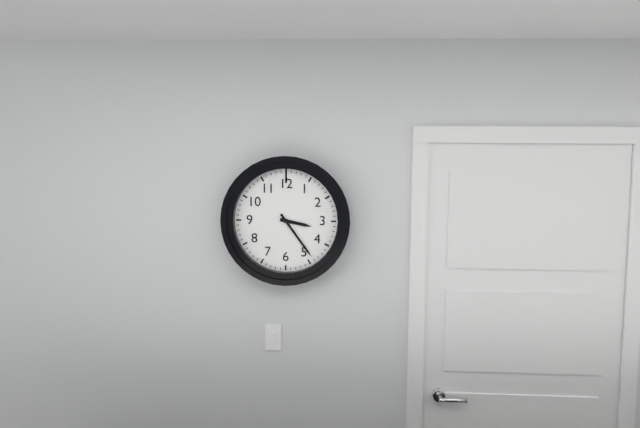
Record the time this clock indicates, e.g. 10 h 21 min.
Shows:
3 h 24 min
